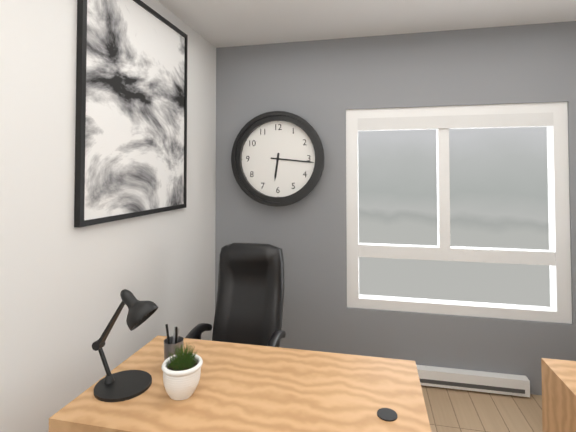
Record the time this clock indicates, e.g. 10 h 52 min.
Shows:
6 h 16 min
